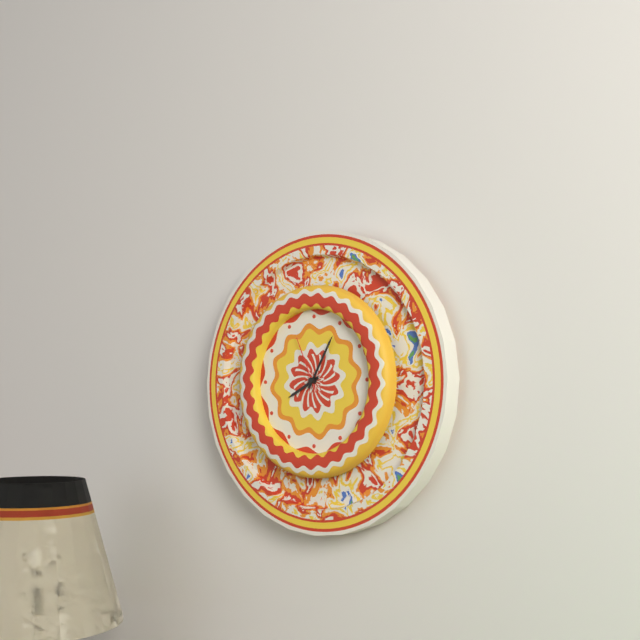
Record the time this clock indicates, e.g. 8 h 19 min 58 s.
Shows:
8 h 05 min 56 s
